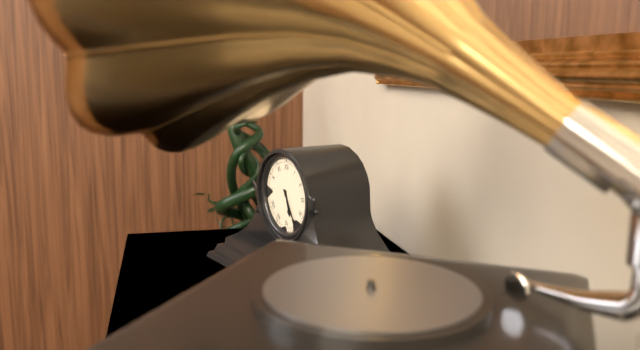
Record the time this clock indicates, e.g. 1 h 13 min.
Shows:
5 h 25 min
